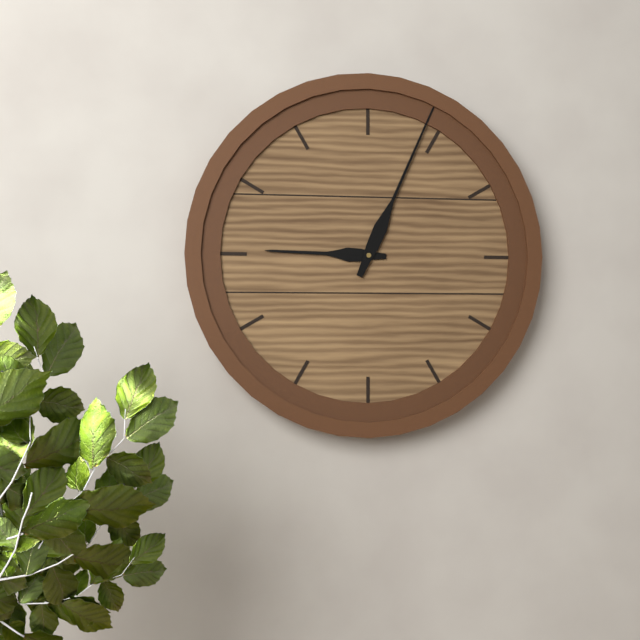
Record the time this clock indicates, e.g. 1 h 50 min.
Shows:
9 h 04 min
